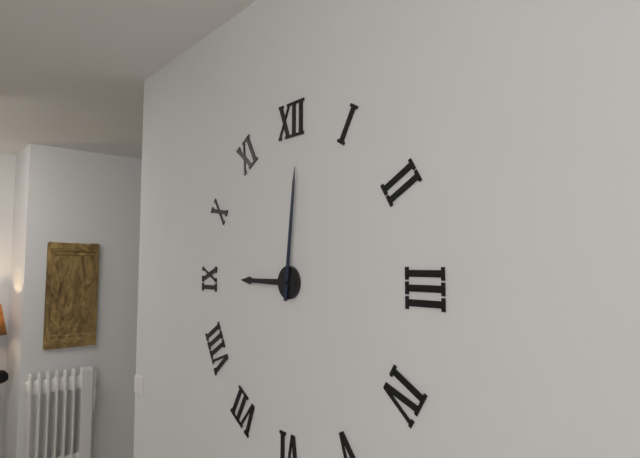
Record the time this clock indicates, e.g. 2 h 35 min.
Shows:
9 h 01 min
